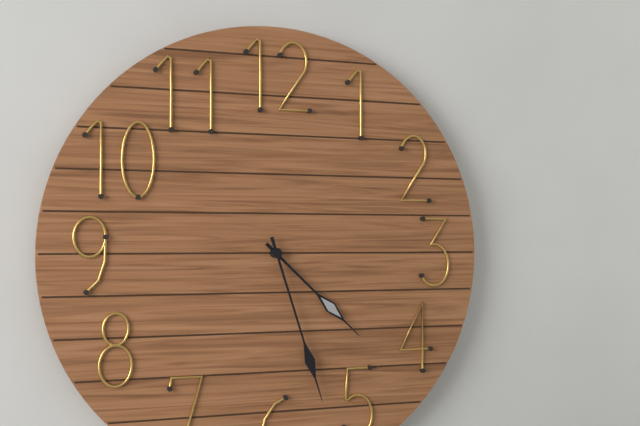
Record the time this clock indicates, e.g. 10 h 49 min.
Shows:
4 h 27 min
